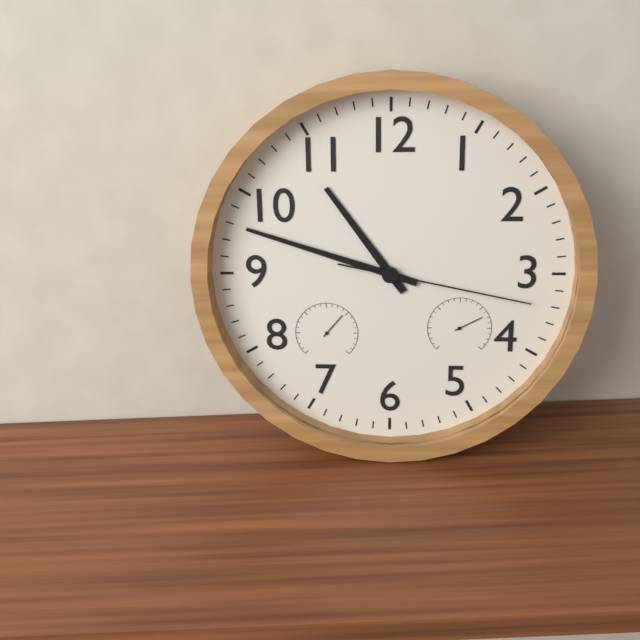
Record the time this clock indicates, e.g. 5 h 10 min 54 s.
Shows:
10 h 48 min 17 s
